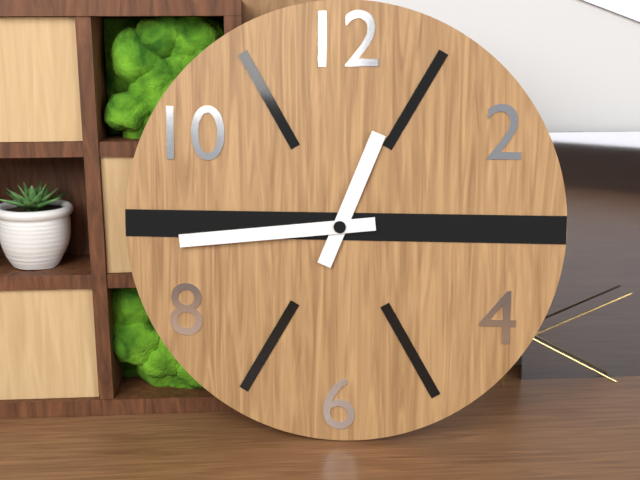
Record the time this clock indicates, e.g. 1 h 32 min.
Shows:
12 h 44 min
